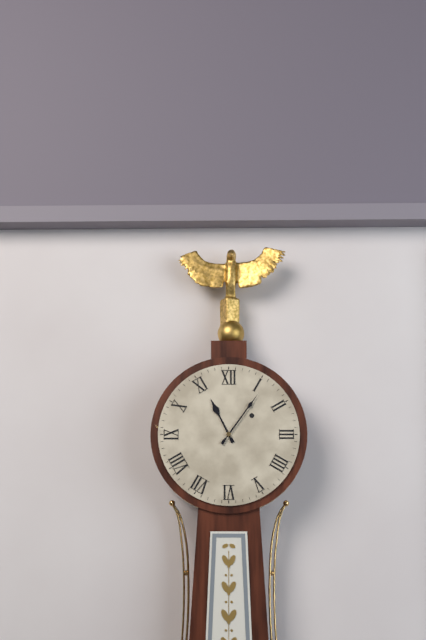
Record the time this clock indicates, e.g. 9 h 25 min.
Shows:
11 h 06 min
